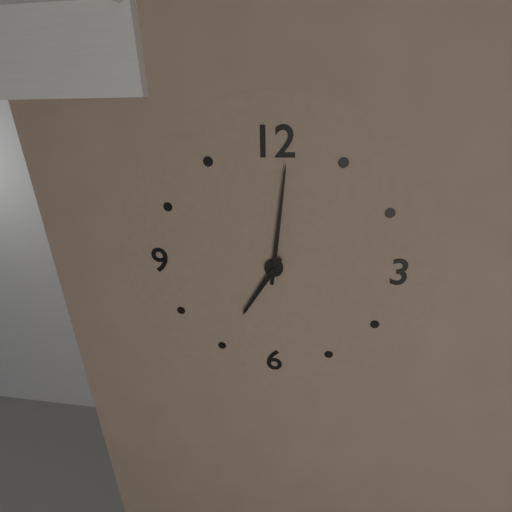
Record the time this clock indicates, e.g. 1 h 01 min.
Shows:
7 h 01 min
